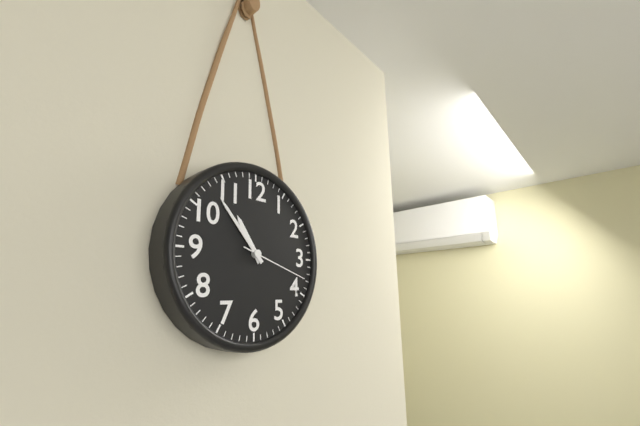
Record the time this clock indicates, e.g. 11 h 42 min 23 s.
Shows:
10 h 53 min 18 s
